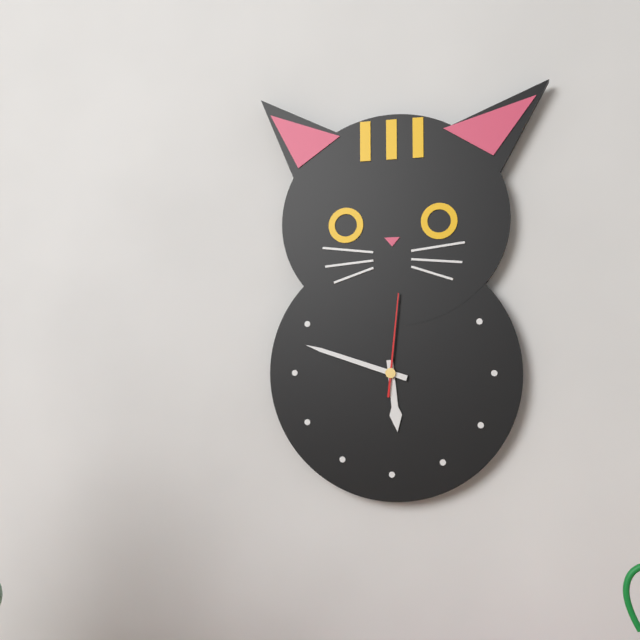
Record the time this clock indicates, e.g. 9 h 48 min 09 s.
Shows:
5 h 48 min 01 s
